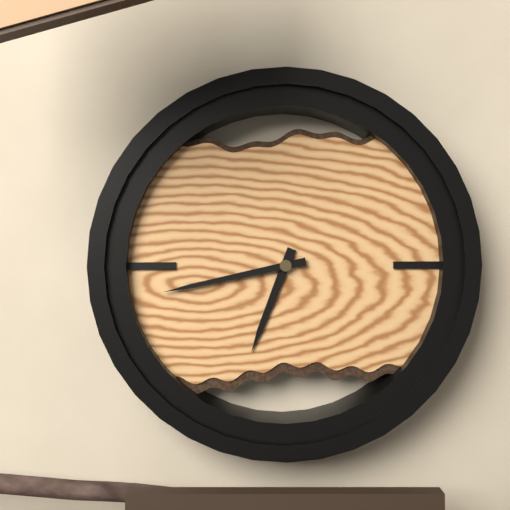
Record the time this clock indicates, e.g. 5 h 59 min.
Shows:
6 h 43 min
